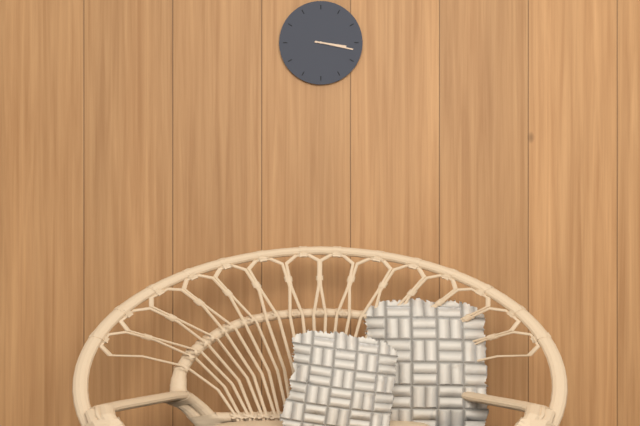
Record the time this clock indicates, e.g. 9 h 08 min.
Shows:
3 h 17 min
